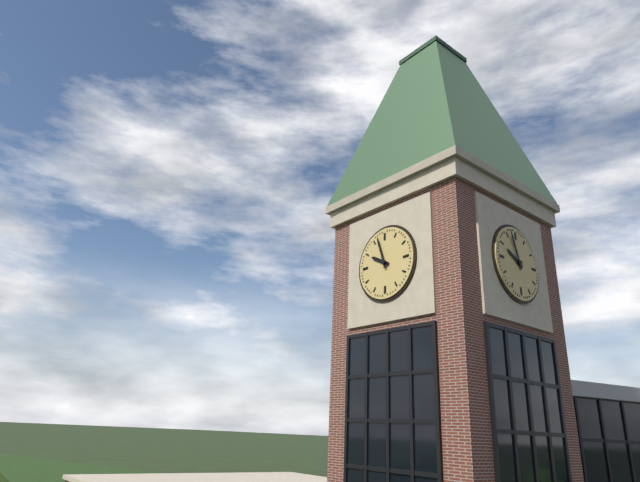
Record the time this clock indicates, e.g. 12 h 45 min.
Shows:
9 h 57 min
